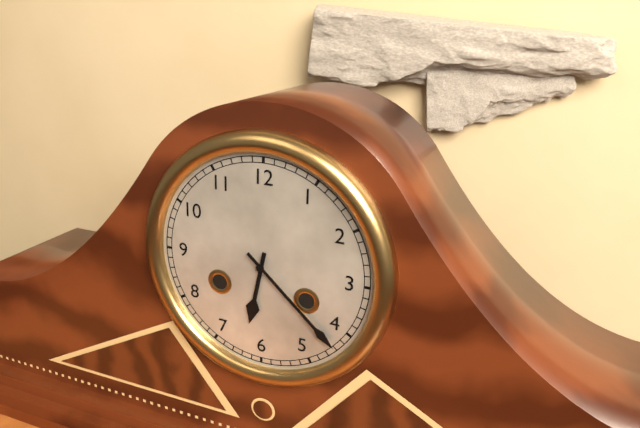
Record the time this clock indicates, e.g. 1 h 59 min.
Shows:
6 h 22 min
